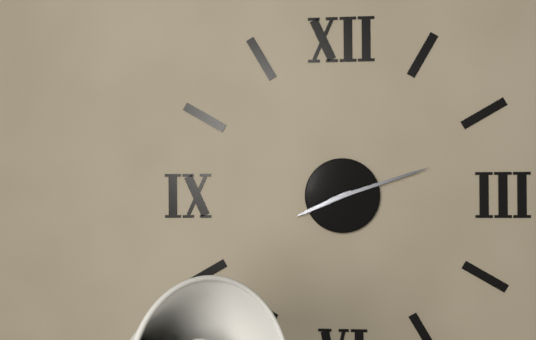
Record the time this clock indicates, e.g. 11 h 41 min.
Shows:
8 h 12 min
